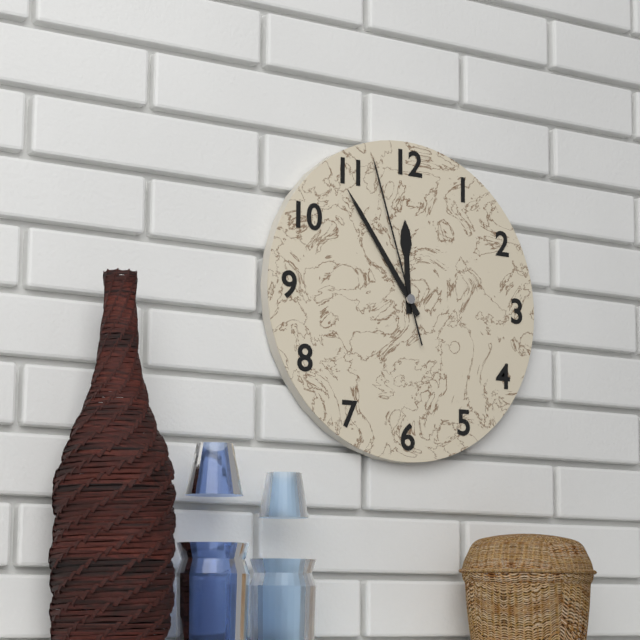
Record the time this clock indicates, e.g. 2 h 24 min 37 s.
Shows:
11 h 54 min 57 s
